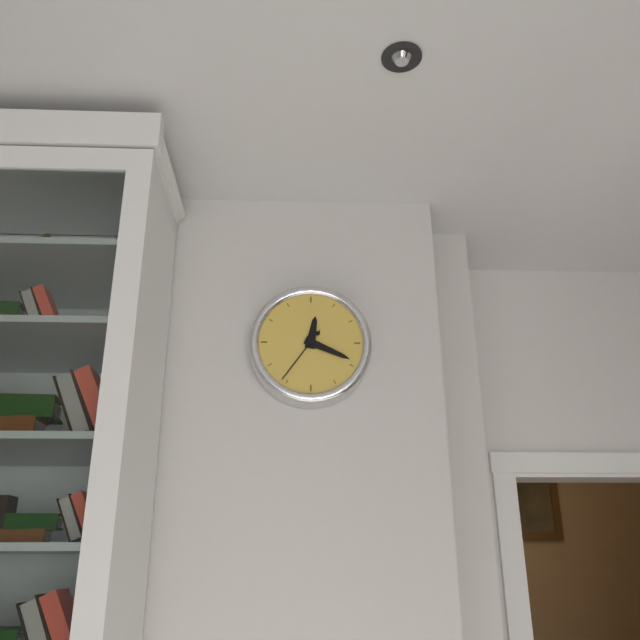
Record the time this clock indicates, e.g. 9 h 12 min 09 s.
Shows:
12 h 19 min 36 s
